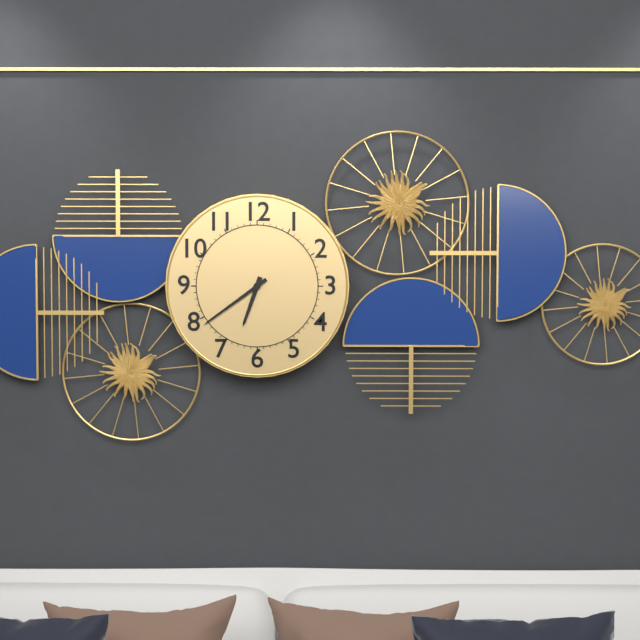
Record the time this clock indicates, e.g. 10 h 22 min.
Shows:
6 h 39 min
